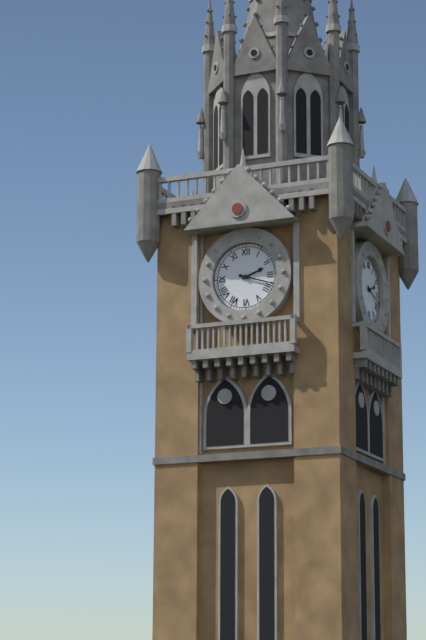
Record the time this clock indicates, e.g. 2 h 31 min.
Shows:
2 h 18 min
